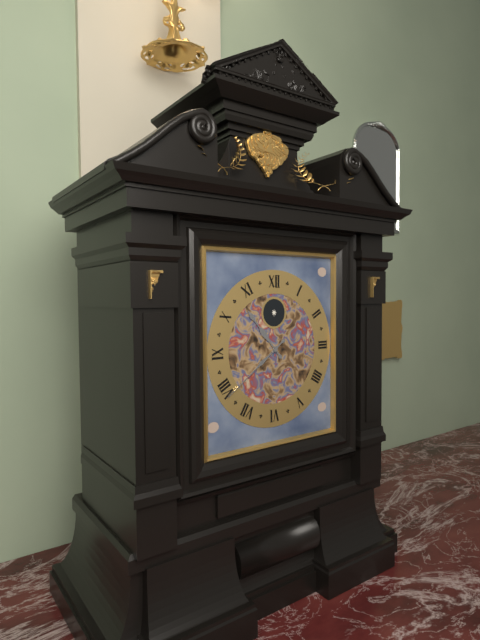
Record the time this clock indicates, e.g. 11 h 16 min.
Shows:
10 h 39 min
